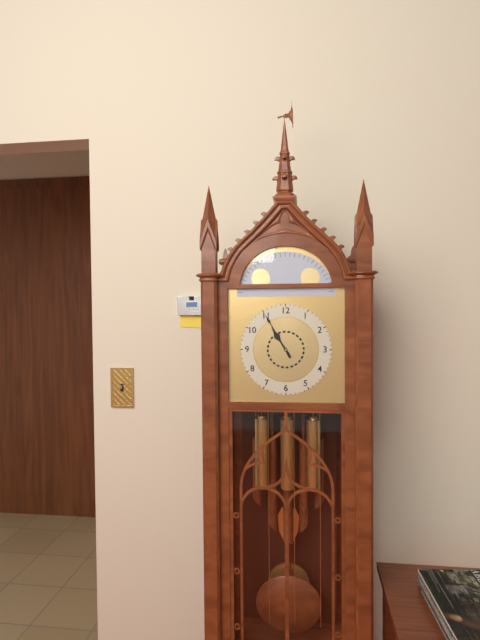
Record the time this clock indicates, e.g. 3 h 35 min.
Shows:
10 h 55 min
